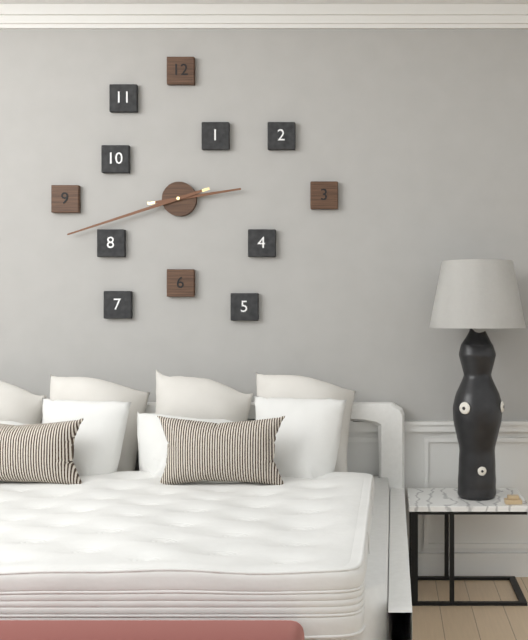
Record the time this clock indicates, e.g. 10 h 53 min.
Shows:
2 h 42 min
